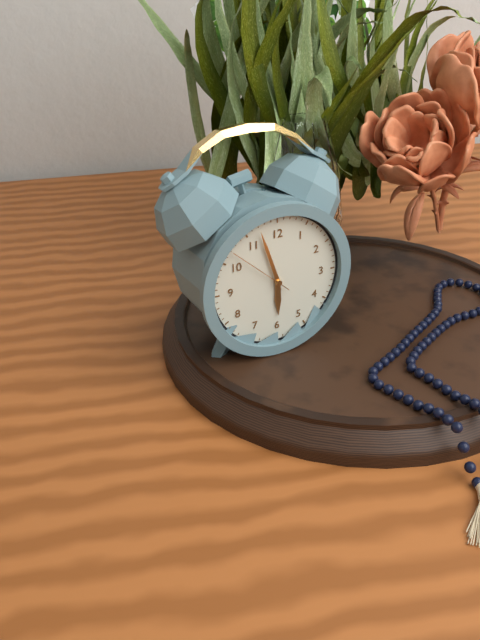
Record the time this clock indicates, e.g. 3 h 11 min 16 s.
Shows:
5 h 57 min 52 s
